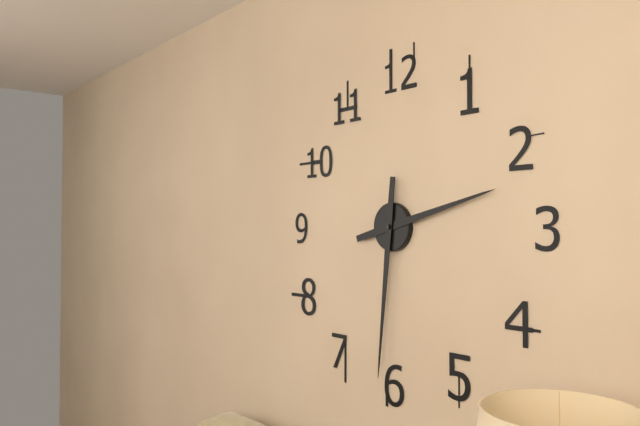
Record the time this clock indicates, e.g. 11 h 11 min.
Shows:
2 h 31 min
